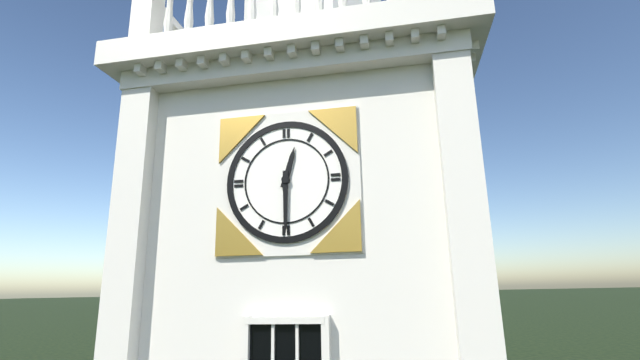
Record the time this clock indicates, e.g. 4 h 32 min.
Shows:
12 h 30 min
